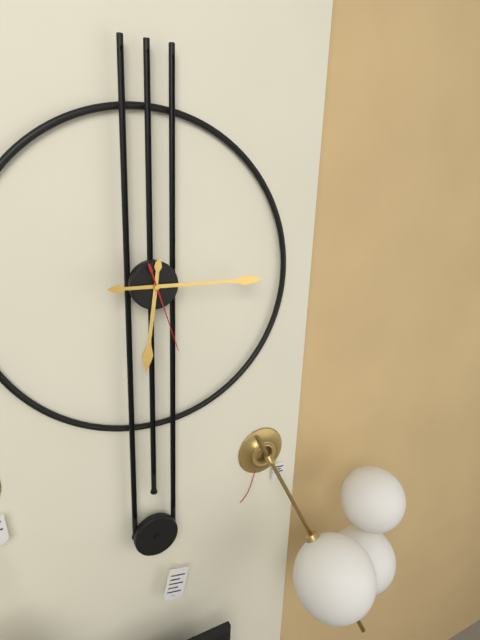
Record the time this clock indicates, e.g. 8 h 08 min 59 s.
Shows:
6 h 15 min 27 s
